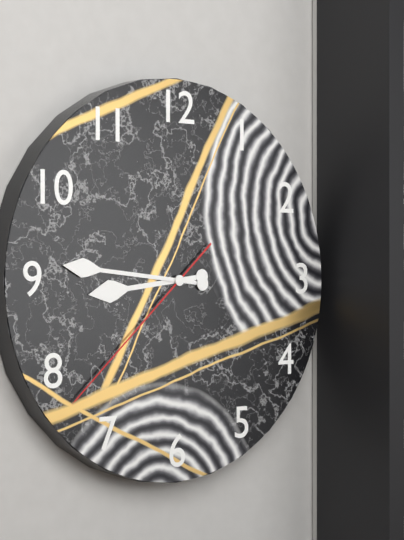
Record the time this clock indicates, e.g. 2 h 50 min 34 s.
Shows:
8 h 46 min 38 s
